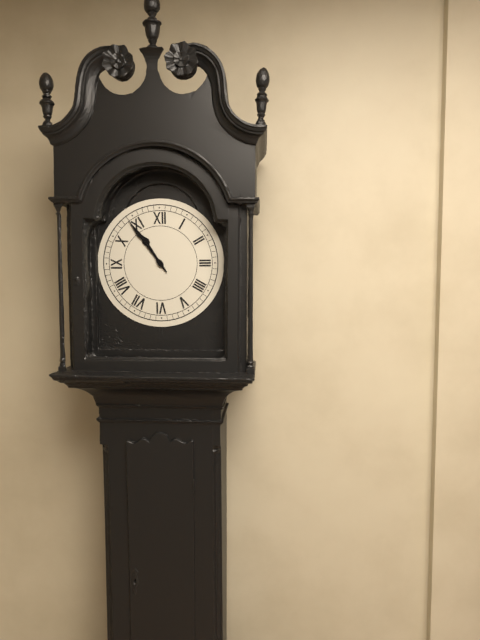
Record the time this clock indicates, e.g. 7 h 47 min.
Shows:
10 h 54 min
